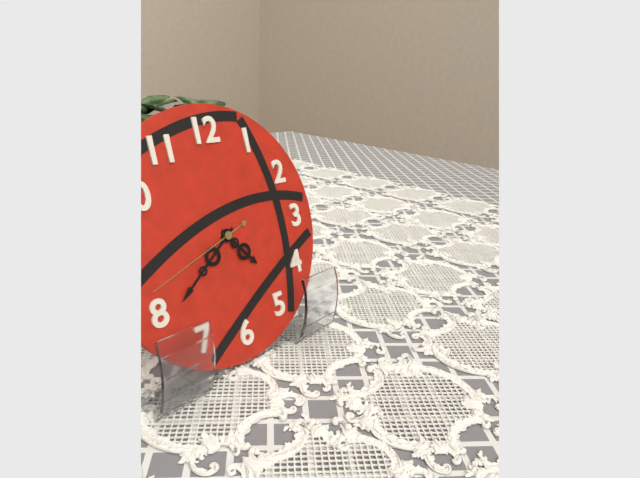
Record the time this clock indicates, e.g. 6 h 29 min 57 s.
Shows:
4 h 39 min 42 s
